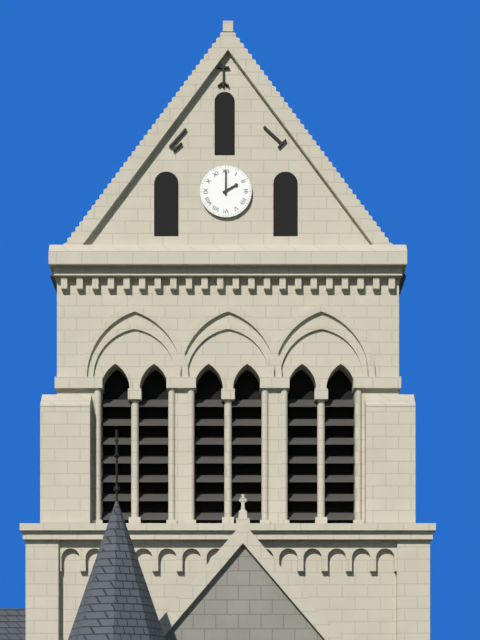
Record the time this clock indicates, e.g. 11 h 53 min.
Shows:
2 h 00 min
